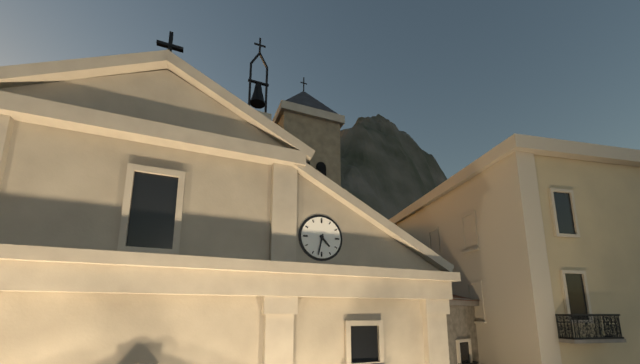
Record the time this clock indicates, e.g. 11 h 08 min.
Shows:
4 h 32 min
